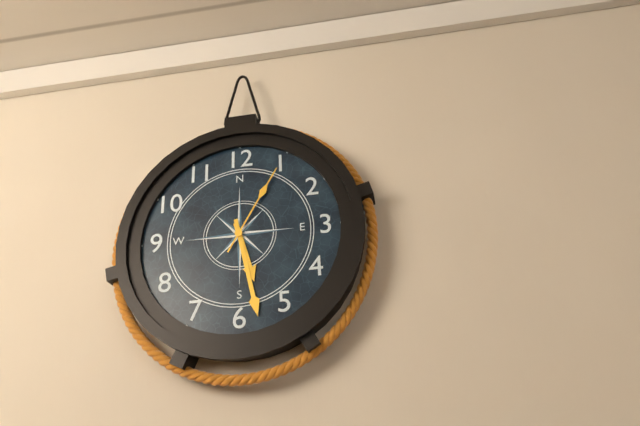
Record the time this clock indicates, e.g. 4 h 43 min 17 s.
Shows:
5 h 28 min 05 s
